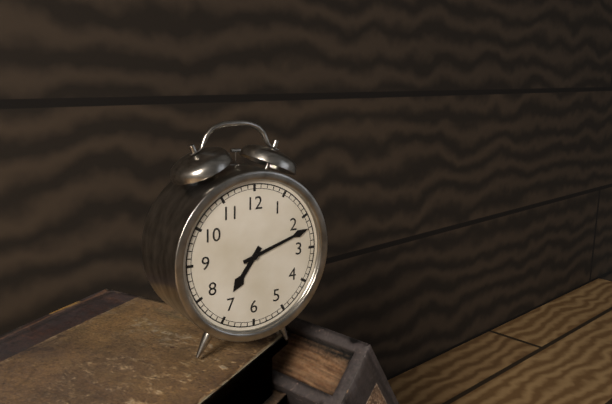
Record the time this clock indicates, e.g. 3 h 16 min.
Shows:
7 h 12 min
